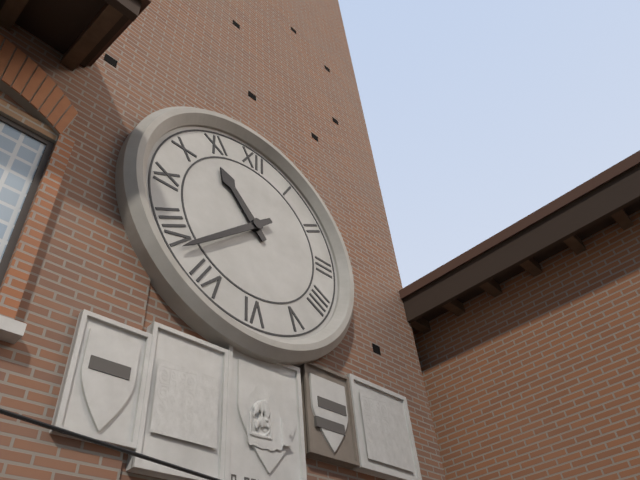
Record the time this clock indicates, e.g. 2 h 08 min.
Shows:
10 h 38 min
